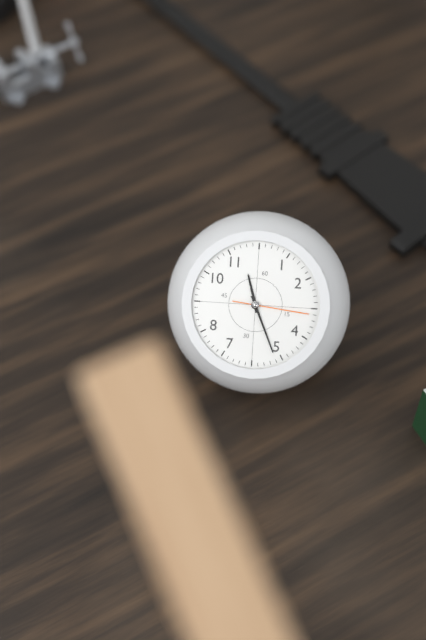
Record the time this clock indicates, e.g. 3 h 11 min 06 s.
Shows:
11 h 26 min 16 s
